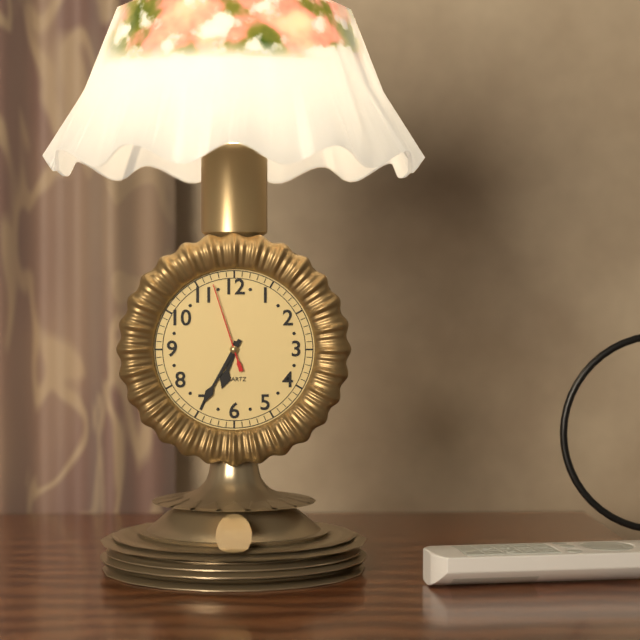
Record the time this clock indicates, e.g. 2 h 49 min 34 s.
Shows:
6 h 35 min 57 s
